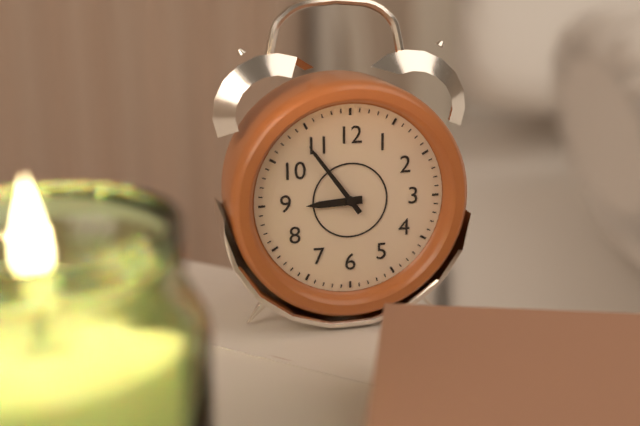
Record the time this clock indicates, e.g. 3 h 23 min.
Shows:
8 h 54 min
